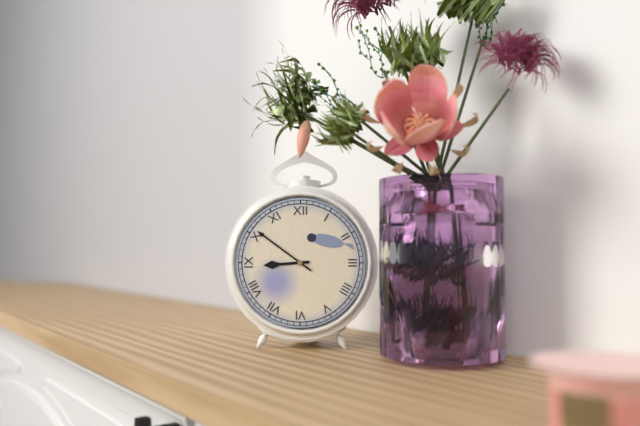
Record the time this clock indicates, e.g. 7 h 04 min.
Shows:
8 h 51 min
